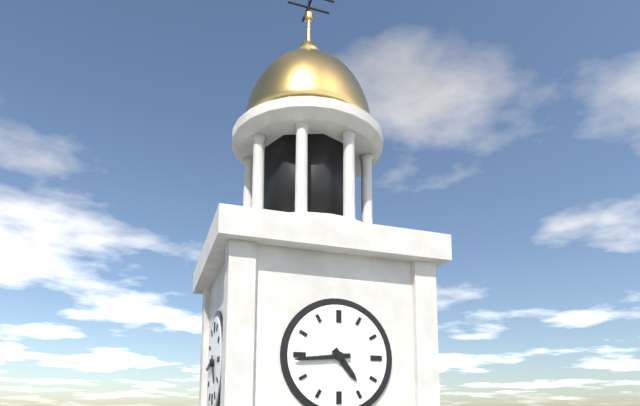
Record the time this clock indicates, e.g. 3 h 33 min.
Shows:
4 h 44 min
